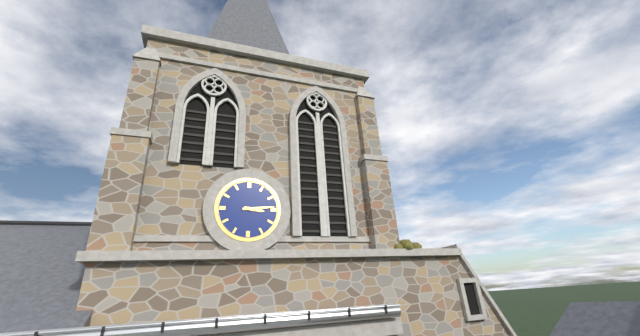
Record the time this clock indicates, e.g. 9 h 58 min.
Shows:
3 h 14 min
